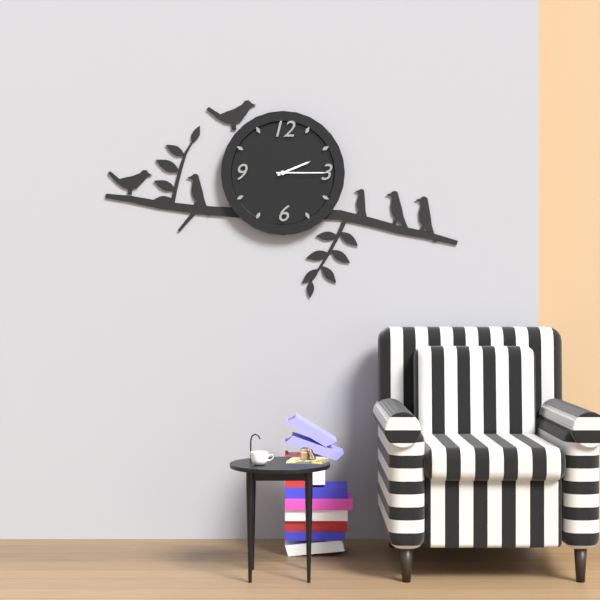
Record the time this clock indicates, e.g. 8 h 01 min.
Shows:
2 h 15 min
